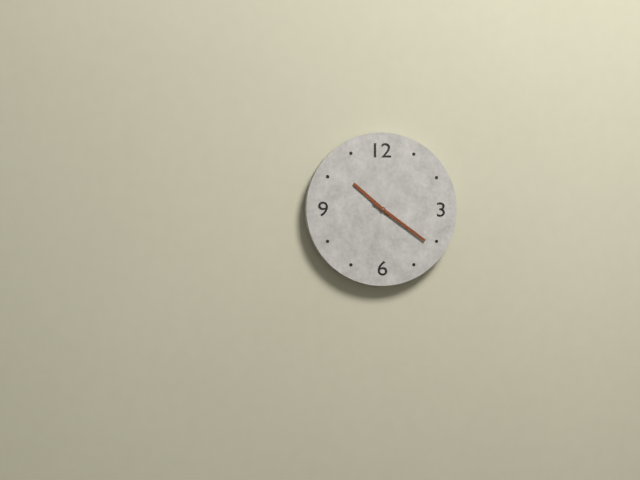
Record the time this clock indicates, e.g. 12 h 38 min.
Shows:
10 h 21 min
